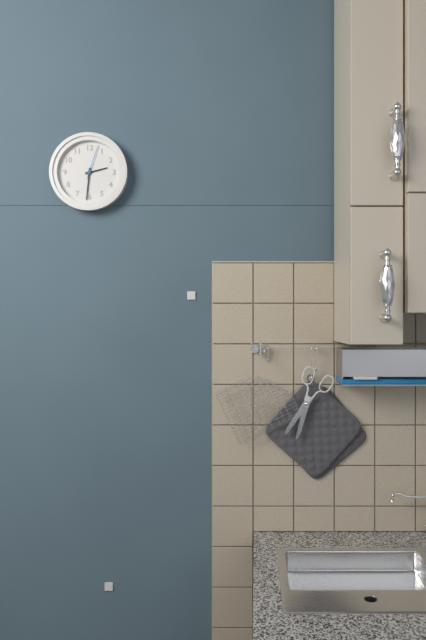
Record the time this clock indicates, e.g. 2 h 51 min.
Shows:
2 h 31 min
